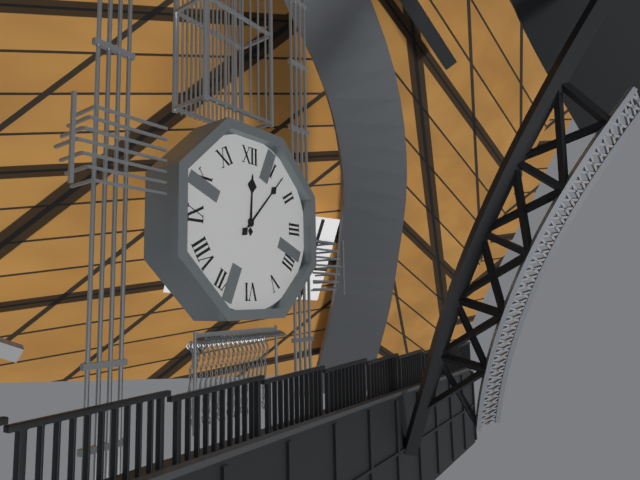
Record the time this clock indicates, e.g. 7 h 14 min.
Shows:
12 h 07 min
